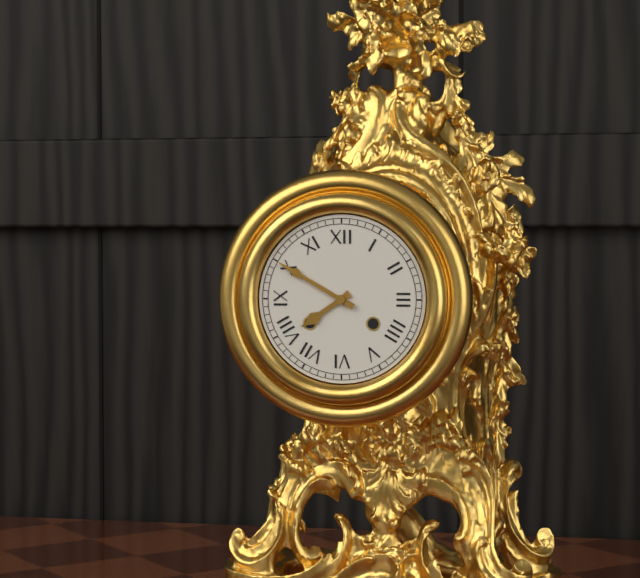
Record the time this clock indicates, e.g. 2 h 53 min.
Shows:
7 h 50 min
